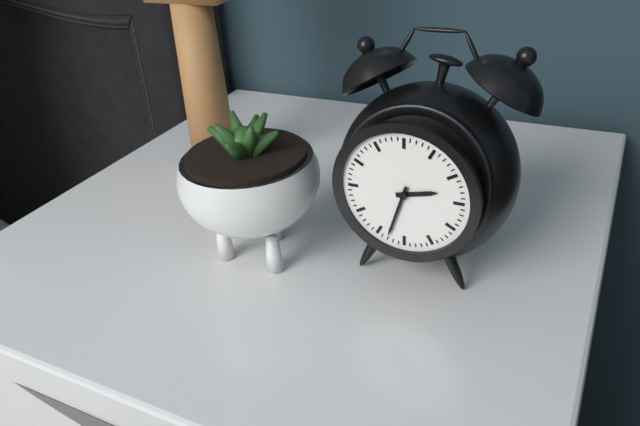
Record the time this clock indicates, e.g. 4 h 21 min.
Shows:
2 h 33 min
